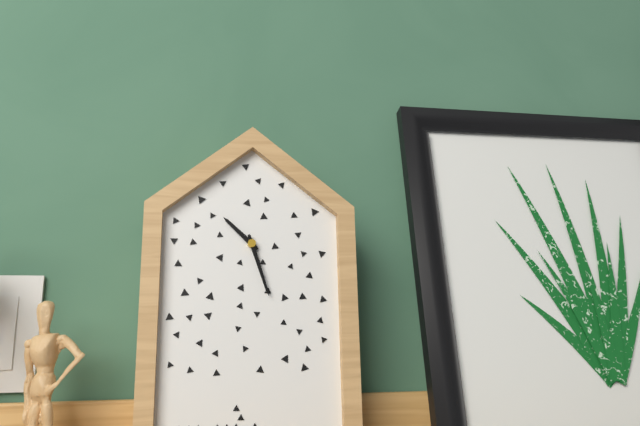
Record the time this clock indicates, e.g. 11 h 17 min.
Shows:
10 h 27 min
